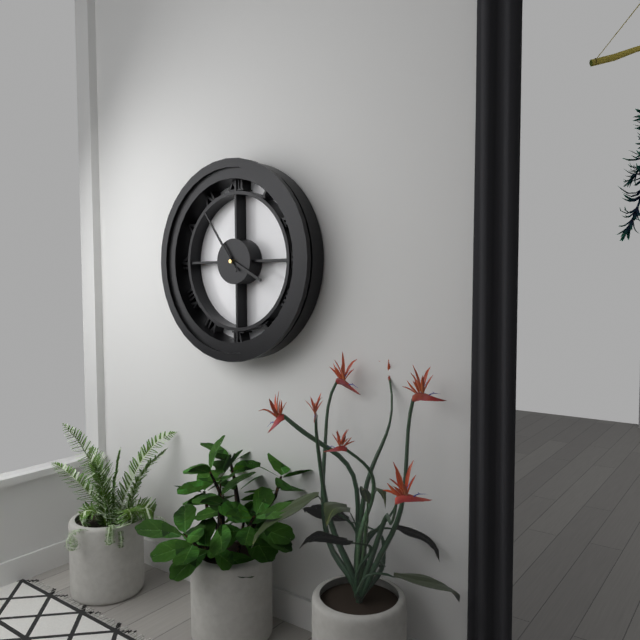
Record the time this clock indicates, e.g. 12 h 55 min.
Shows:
3 h 54 min
